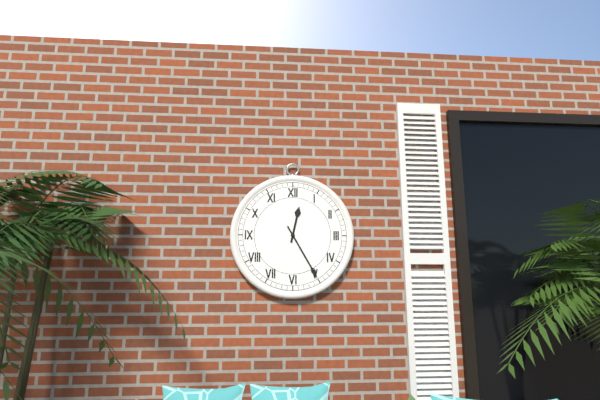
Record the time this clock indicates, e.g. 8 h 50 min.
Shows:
12 h 25 min
